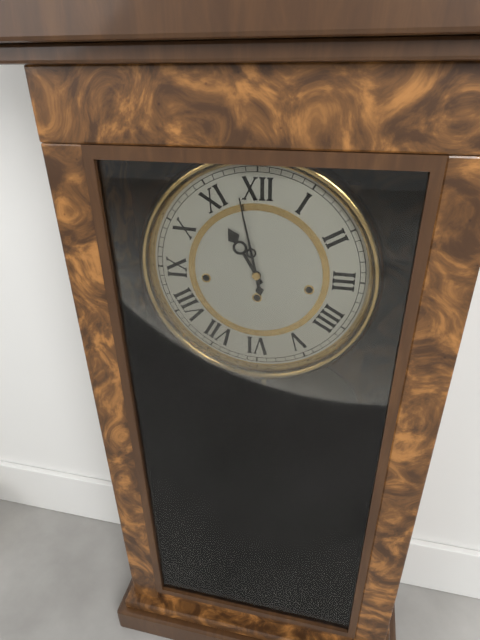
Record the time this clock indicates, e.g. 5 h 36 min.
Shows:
10 h 58 min
